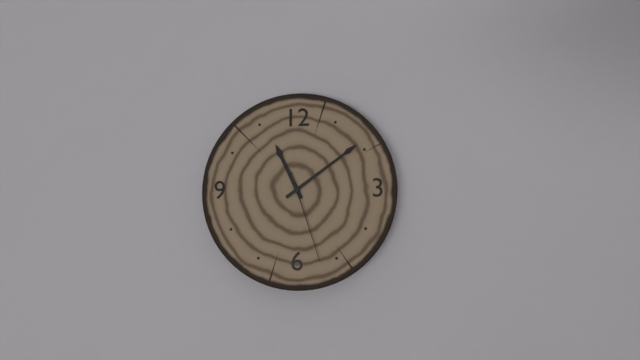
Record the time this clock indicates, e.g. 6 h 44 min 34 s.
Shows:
11 h 09 min 27 s
